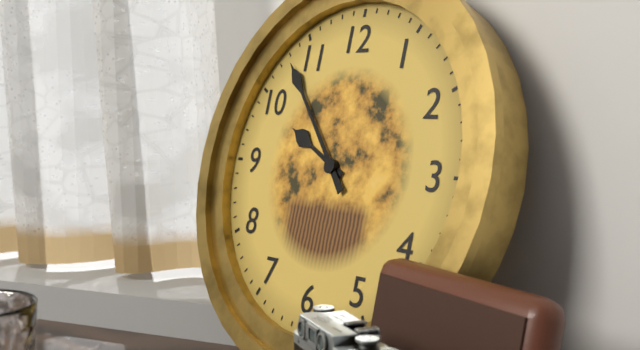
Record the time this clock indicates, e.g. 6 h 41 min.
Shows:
9 h 53 min
